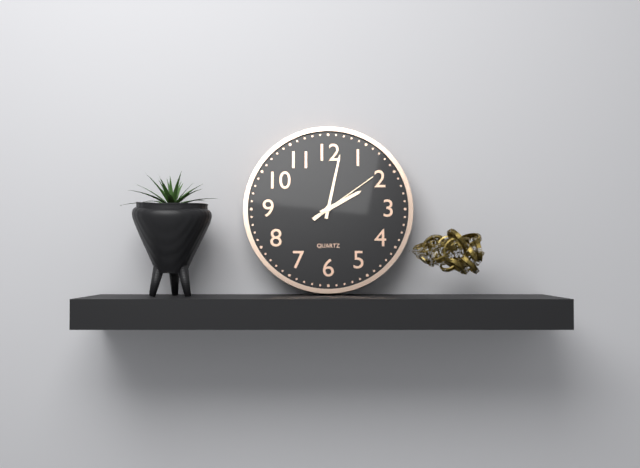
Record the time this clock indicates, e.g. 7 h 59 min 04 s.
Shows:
2 h 02 min 09 s
